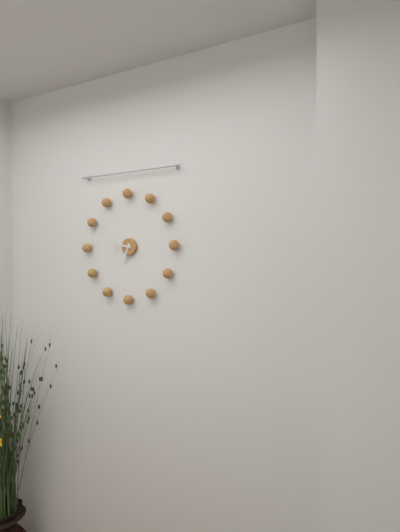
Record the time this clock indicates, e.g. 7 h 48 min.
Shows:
6 h 47 min
